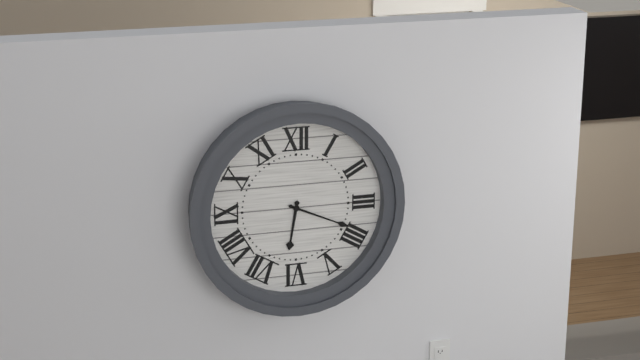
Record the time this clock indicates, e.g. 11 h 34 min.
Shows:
6 h 19 min
